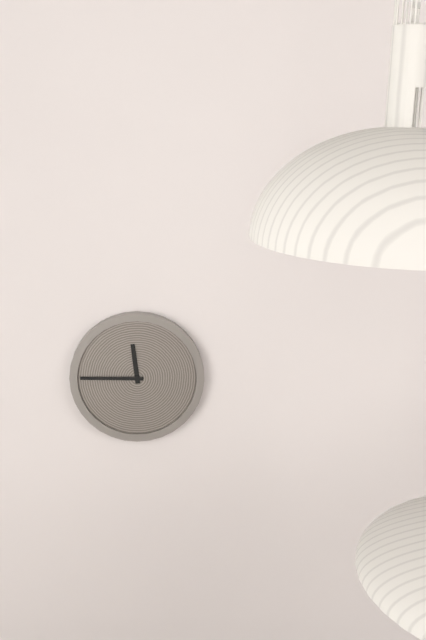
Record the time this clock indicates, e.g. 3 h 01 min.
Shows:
11 h 45 min
